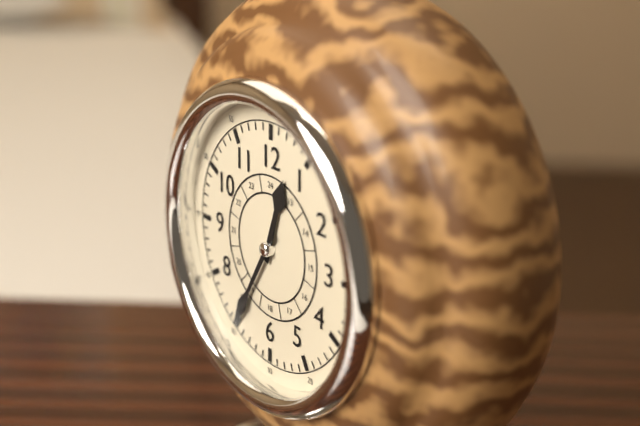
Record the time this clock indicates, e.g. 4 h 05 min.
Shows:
12 h 35 min
